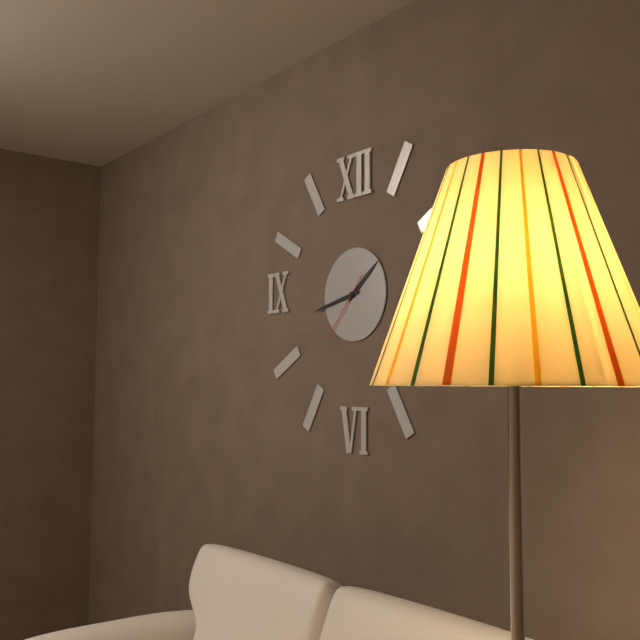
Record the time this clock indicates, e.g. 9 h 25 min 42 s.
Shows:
1 h 43 min 37 s
